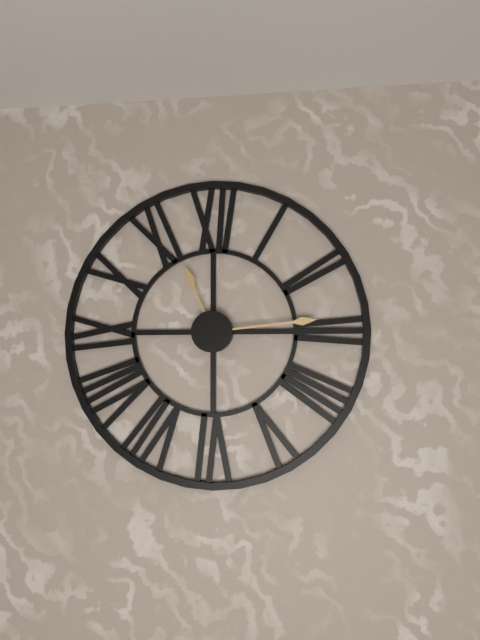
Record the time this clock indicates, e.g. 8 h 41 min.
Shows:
11 h 14 min
